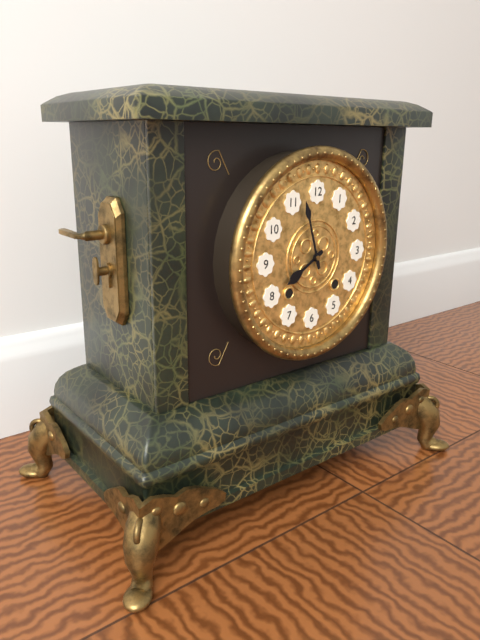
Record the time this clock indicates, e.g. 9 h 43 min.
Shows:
7 h 57 min
